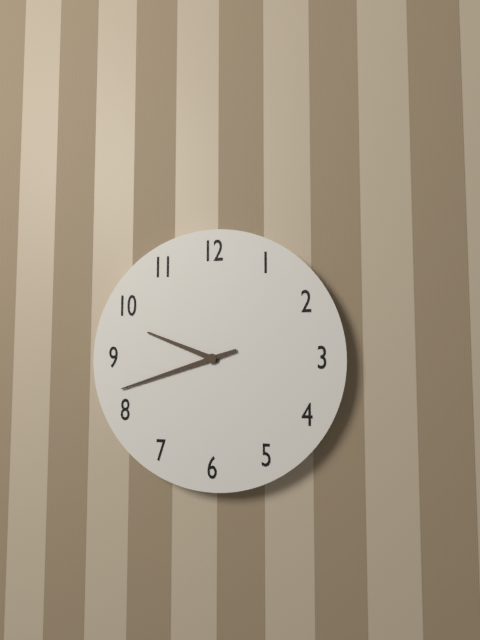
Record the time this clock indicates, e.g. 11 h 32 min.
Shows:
9 h 42 min
